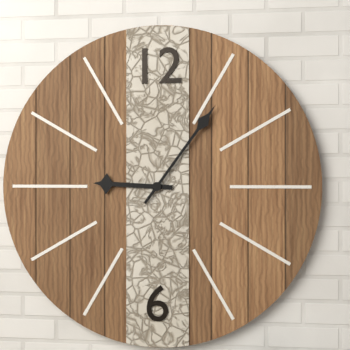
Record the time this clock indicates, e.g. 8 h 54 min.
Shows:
9 h 06 min
